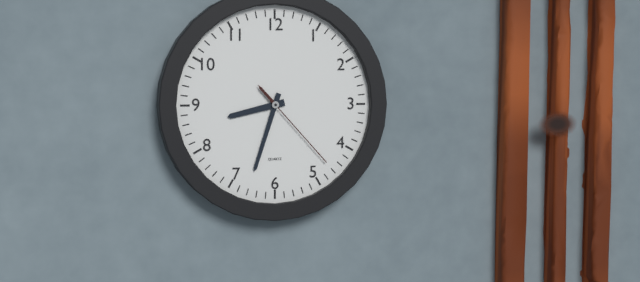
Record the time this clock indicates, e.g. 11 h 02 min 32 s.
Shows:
8 h 33 min 23 s
